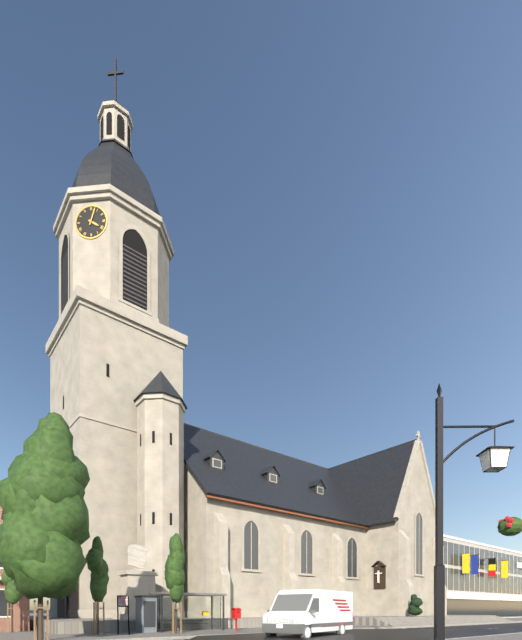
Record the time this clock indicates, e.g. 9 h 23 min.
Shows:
4 h 03 min
